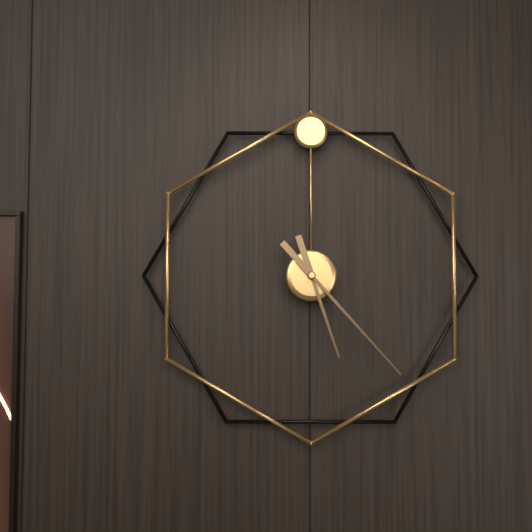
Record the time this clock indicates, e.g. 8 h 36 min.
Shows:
5 h 23 min
